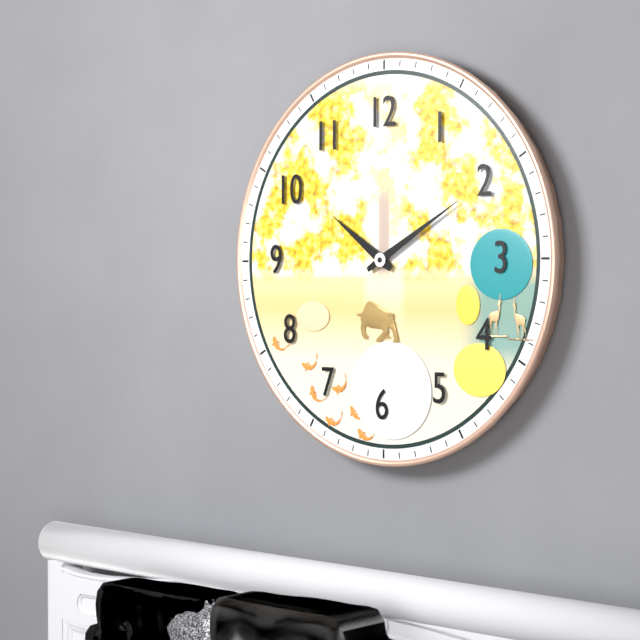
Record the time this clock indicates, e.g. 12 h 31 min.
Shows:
10 h 10 min
